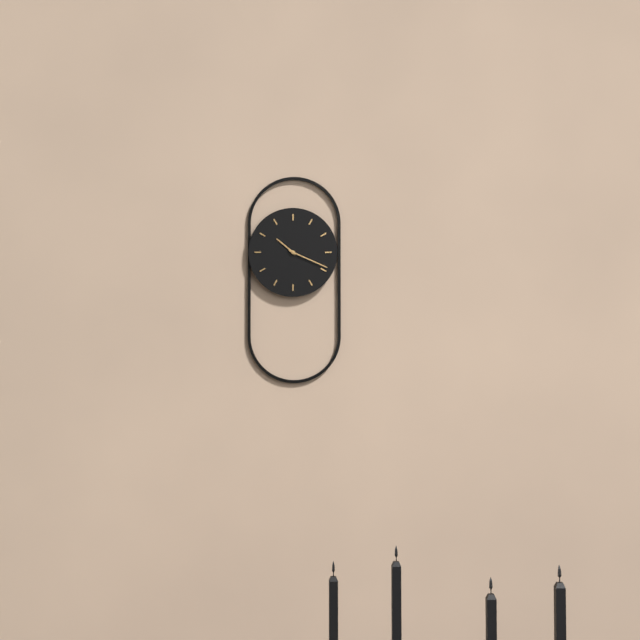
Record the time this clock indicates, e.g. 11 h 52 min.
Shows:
10 h 19 min
